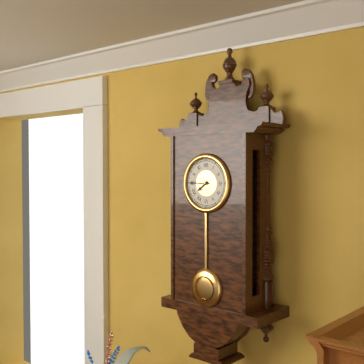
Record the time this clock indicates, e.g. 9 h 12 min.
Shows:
7 h 45 min
